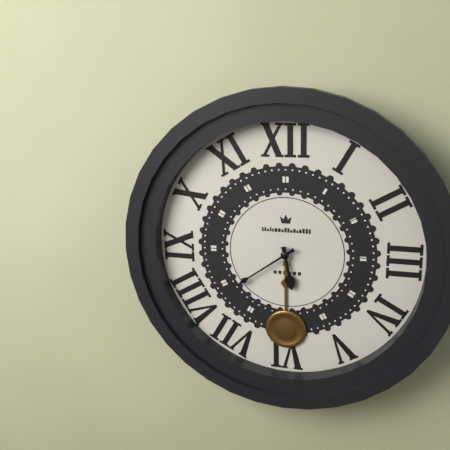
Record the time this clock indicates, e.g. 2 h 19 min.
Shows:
5 h 39 min
